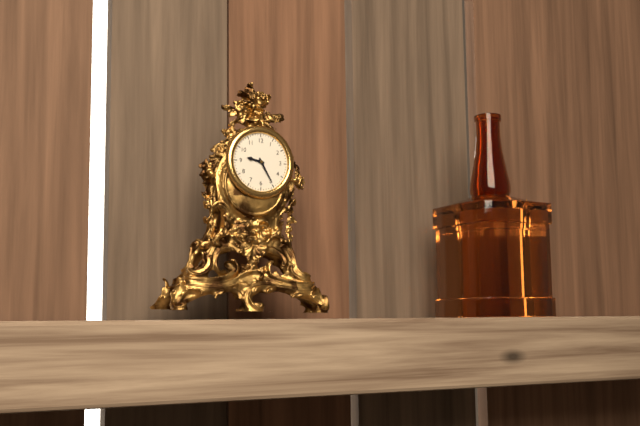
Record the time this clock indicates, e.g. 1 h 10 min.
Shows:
9 h 25 min
